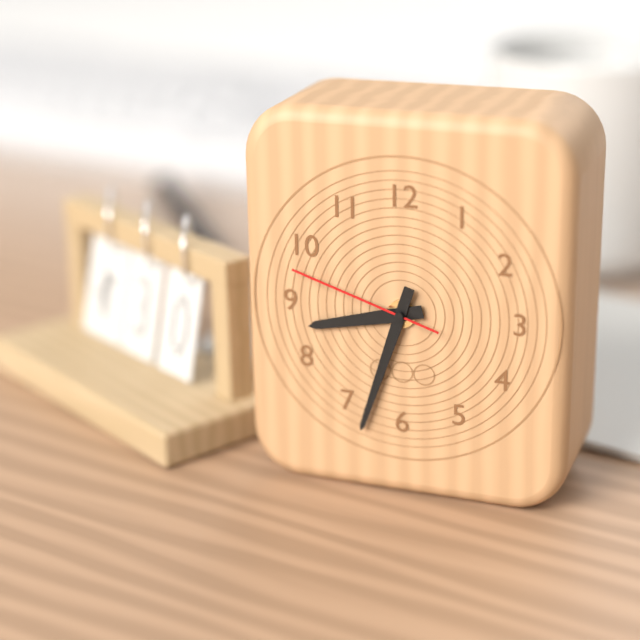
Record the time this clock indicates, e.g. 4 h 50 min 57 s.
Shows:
8 h 33 min 48 s
